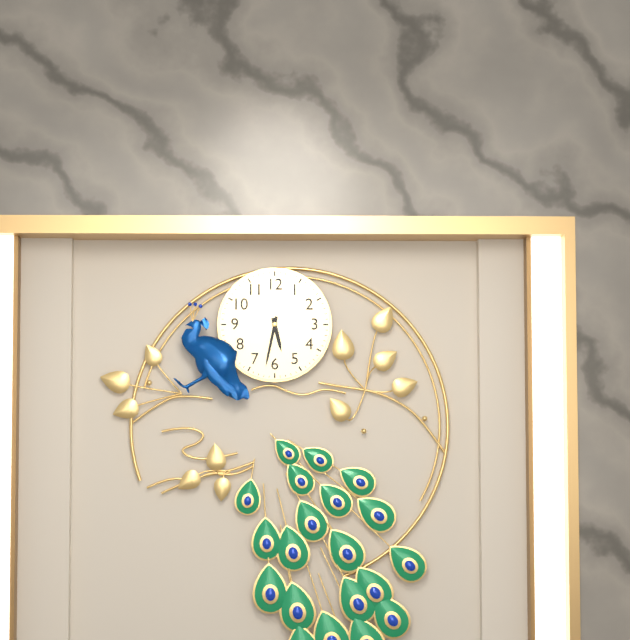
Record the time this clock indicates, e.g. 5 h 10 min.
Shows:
5 h 32 min
